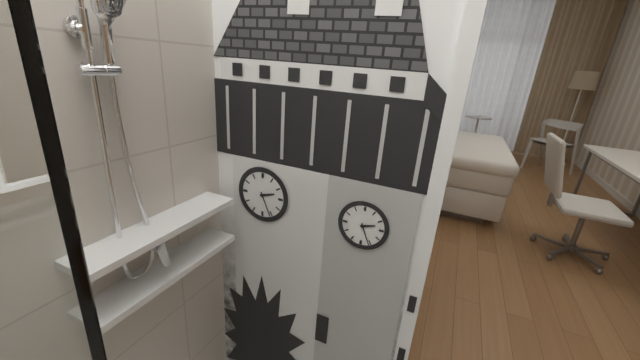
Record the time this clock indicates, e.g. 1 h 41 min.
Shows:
2 h 26 min
